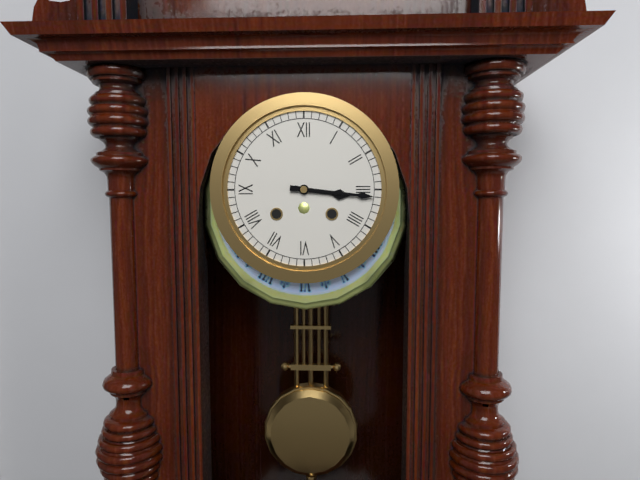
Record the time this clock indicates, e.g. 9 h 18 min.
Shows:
3 h 16 min
